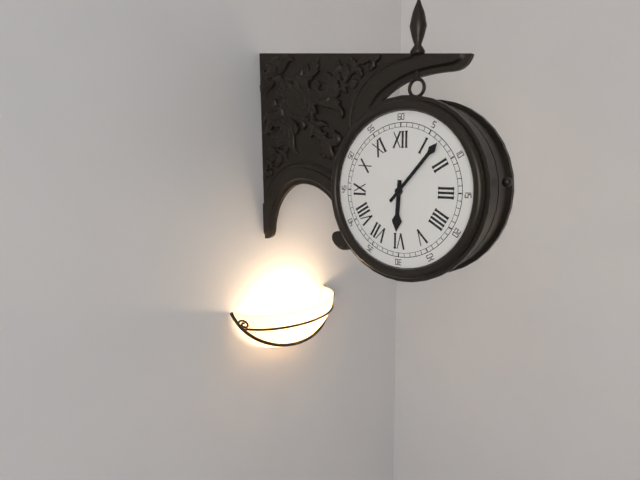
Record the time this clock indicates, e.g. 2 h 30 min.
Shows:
6 h 07 min
